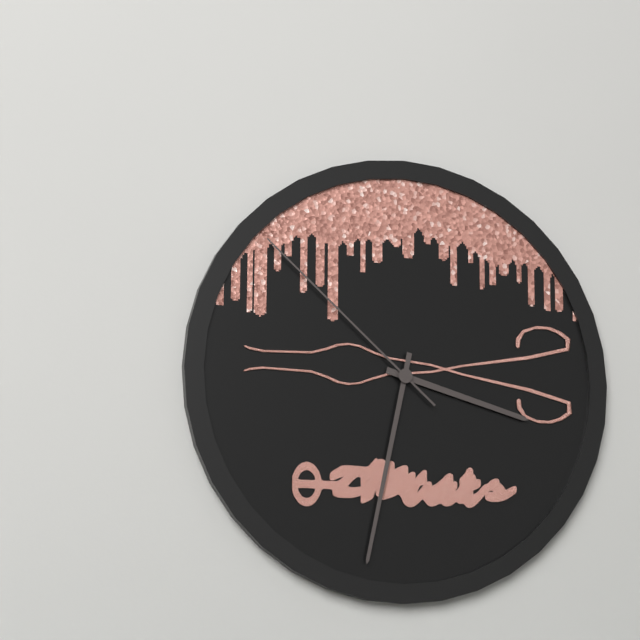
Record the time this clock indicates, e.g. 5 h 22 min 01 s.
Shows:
3 h 32 min 52 s
